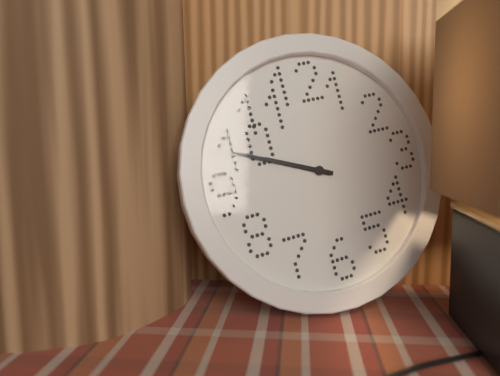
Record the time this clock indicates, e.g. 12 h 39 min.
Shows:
9 h 49 min
